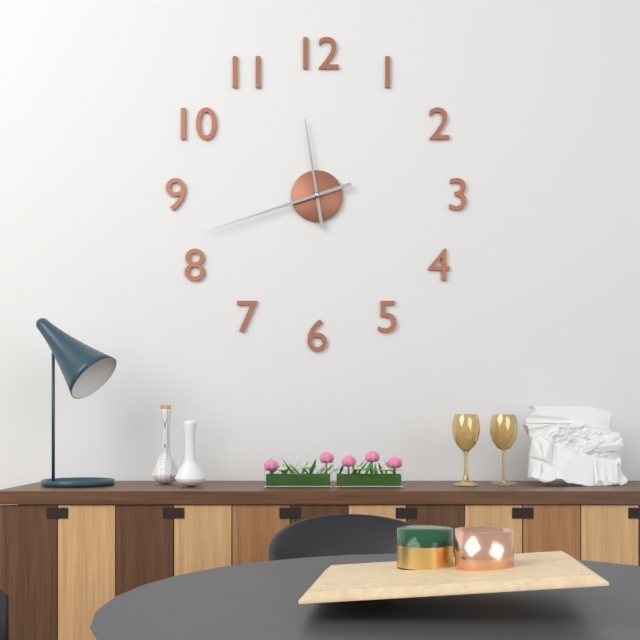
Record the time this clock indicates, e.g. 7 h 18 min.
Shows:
11 h 42 min
